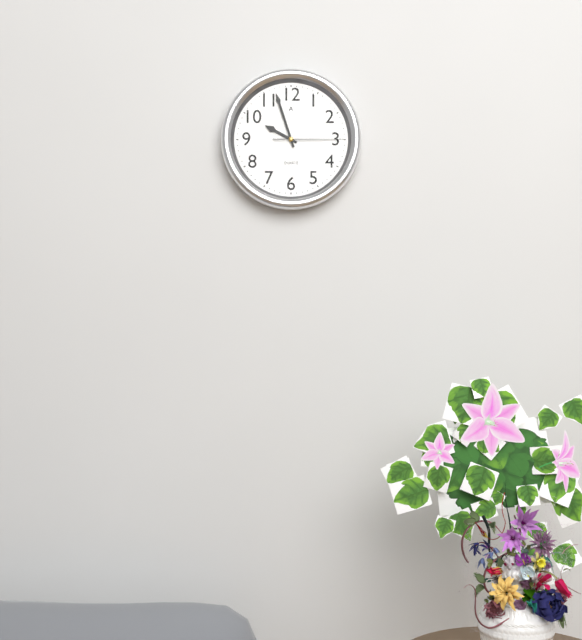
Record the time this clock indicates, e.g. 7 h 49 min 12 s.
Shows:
9 h 57 min 15 s
